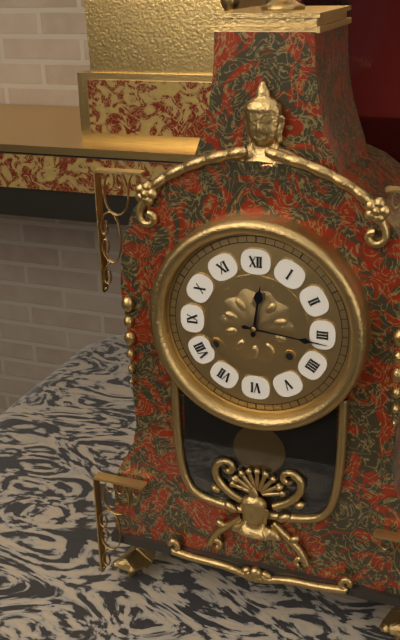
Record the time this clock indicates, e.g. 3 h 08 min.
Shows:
12 h 16 min
